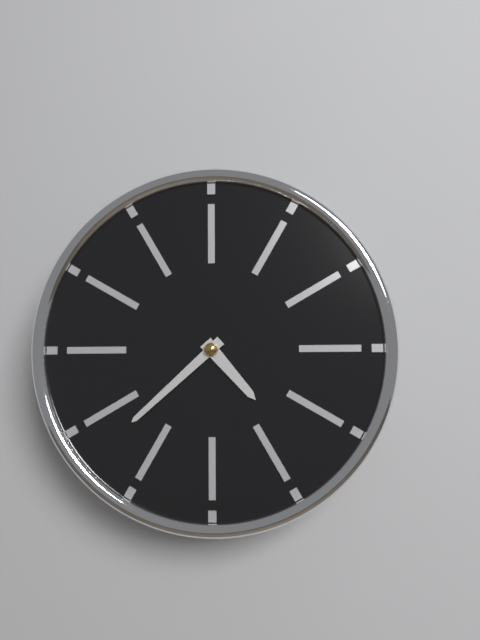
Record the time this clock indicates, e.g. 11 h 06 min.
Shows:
4 h 38 min
